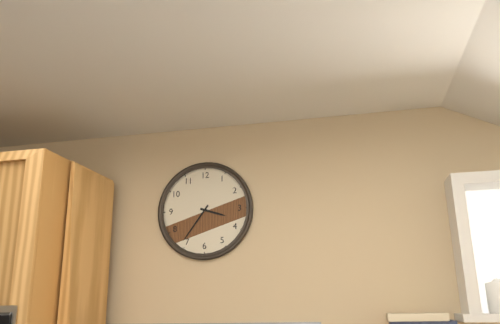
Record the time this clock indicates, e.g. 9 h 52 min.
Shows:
3 h 36 min
